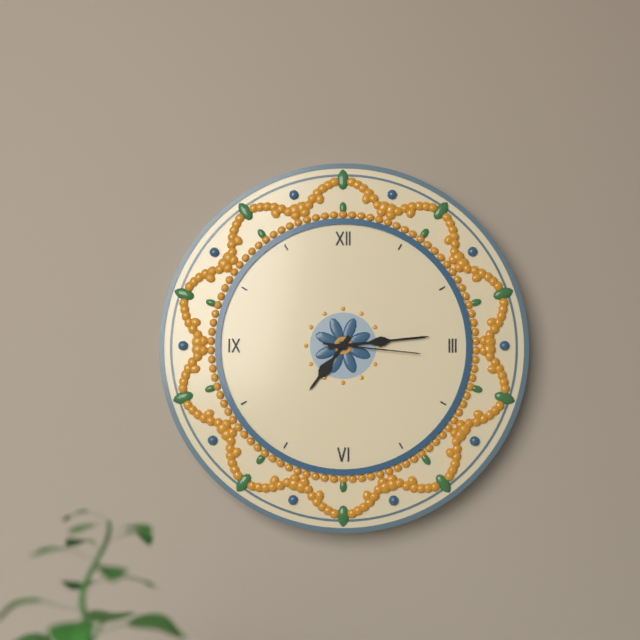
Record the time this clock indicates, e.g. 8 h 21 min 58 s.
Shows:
7 h 14 min 16 s
